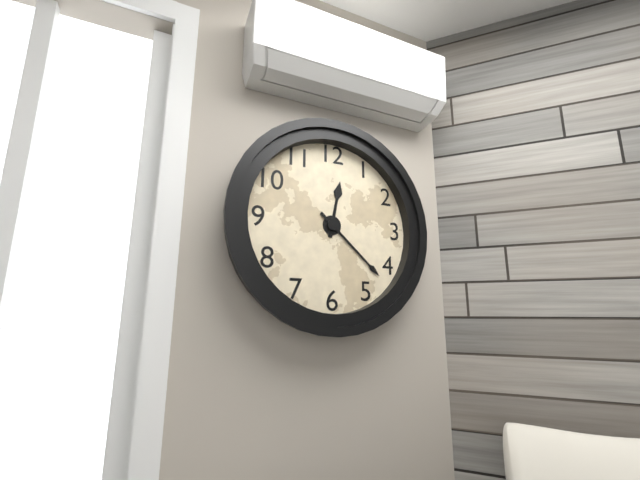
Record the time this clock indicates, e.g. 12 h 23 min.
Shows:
12 h 22 min
